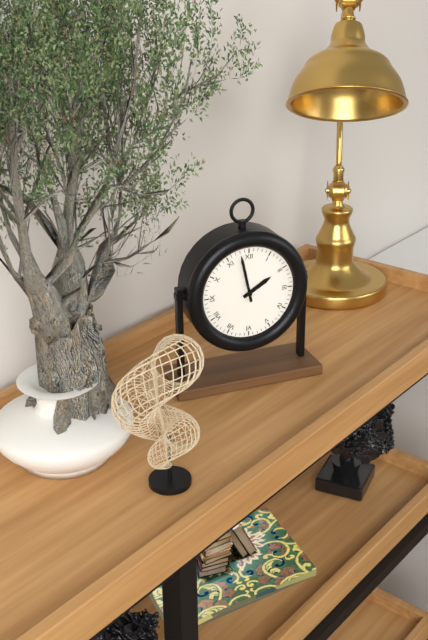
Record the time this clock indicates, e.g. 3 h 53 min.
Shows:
1 h 58 min
